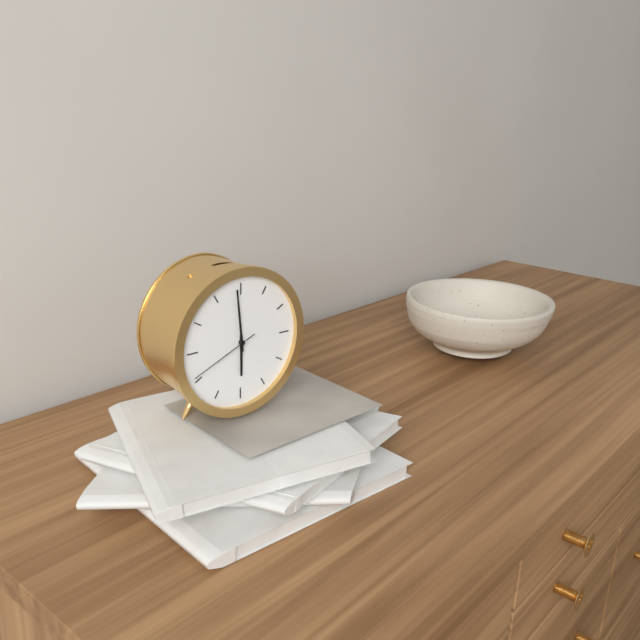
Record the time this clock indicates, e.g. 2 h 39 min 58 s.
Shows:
5 h 59 min 41 s
